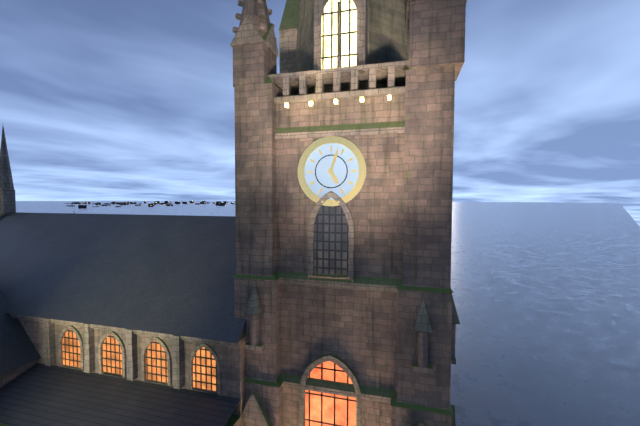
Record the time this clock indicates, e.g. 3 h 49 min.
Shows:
5 h 03 min
